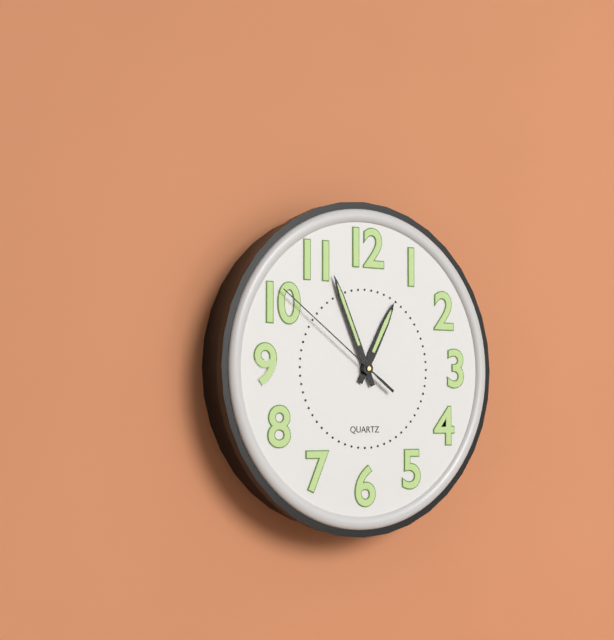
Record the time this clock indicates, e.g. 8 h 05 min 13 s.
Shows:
12 h 56 min 51 s
